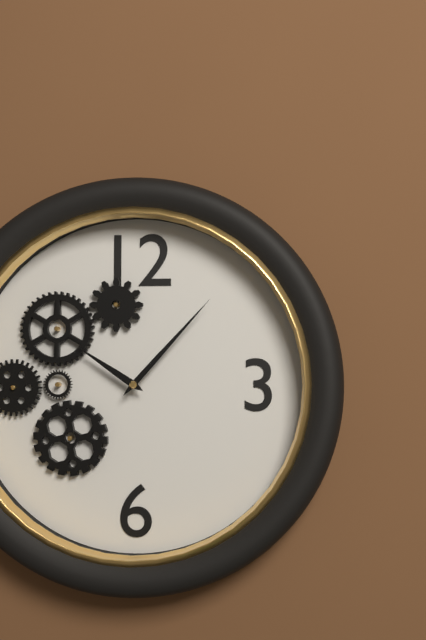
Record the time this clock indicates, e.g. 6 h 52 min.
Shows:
10 h 07 min
